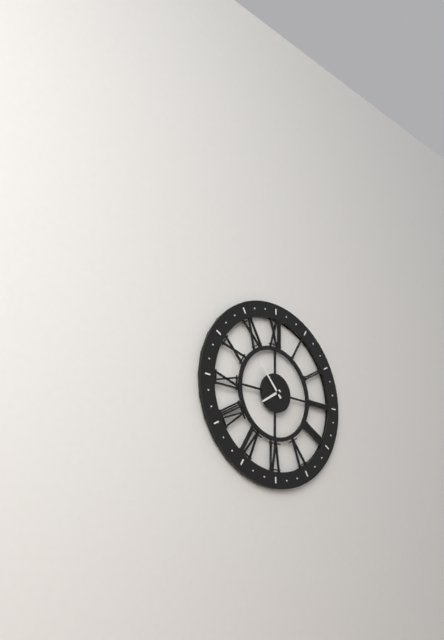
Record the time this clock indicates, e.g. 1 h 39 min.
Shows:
7 h 53 min
